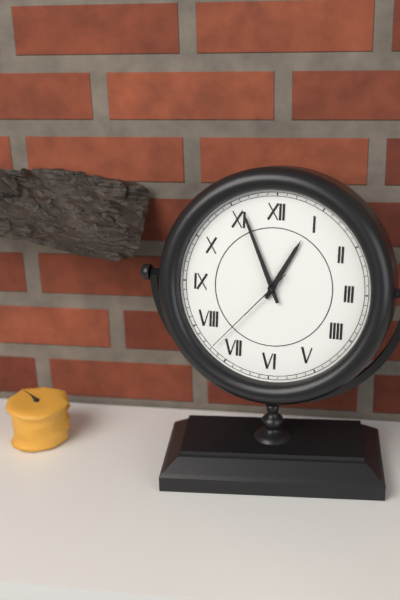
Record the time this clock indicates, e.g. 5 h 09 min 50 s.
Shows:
12 h 56 min 37 s
